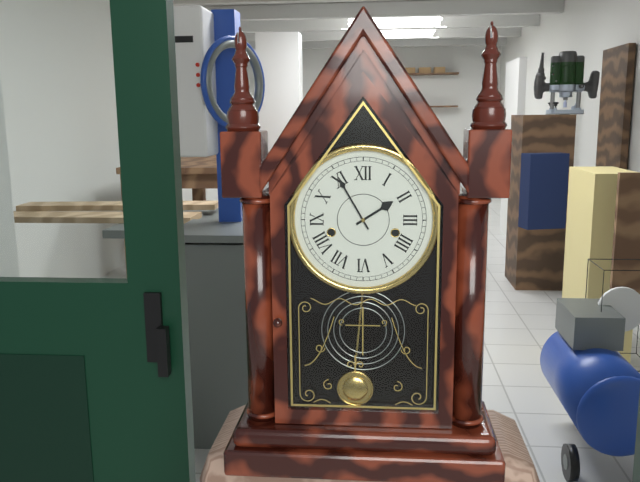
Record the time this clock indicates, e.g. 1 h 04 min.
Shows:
1 h 55 min
